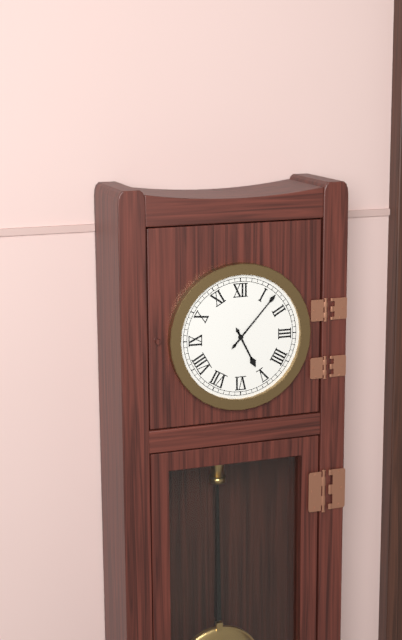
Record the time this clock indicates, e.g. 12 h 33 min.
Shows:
5 h 07 min
